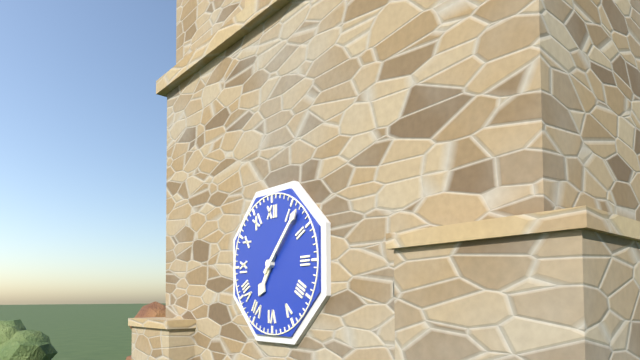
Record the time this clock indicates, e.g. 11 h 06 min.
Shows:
7 h 07 min
